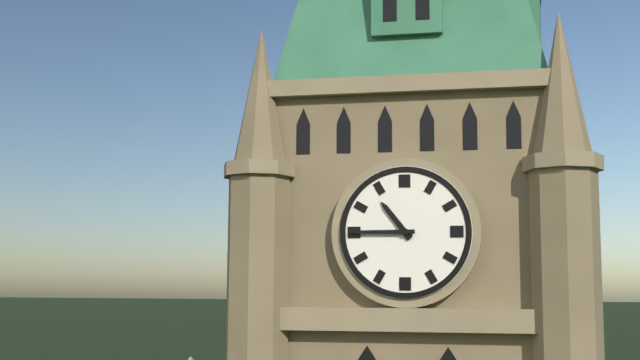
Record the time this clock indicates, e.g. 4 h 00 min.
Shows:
10 h 45 min
